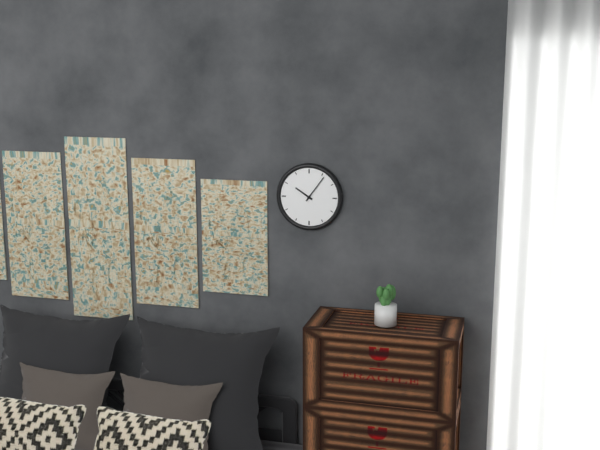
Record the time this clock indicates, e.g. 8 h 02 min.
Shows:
10 h 06 min
